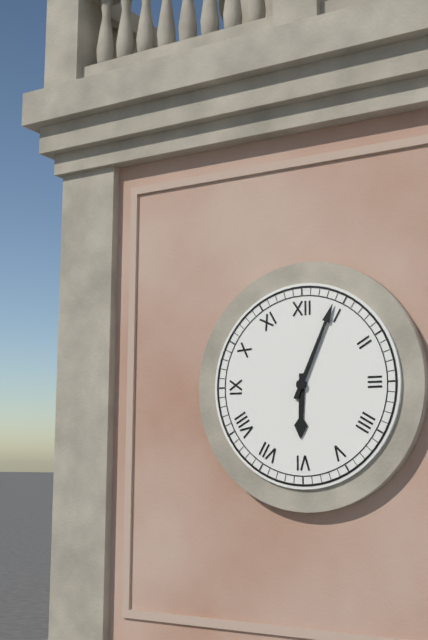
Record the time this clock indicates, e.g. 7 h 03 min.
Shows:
6 h 04 min
